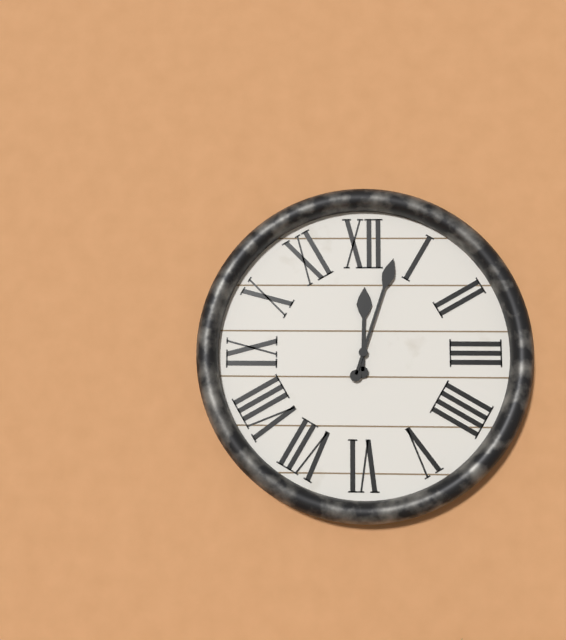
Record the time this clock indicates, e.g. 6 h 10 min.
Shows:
12 h 03 min
